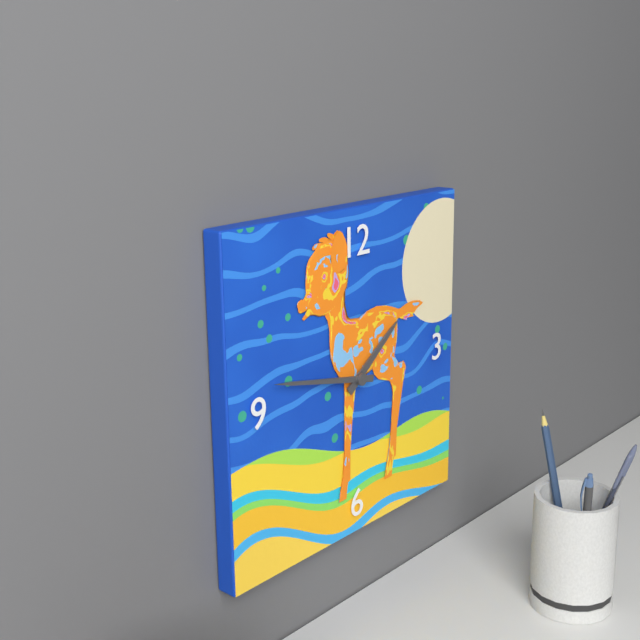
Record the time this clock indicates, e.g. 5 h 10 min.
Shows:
1 h 47 min
